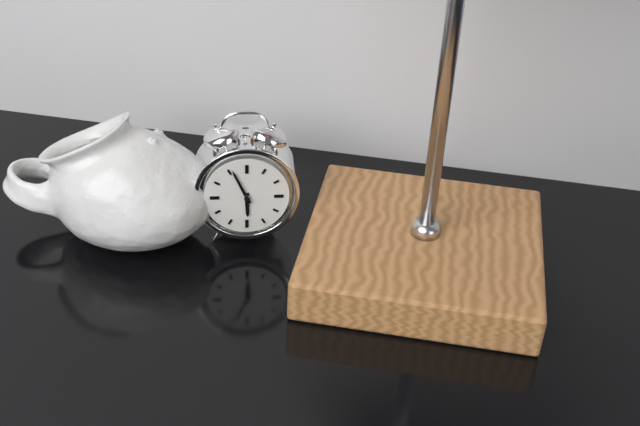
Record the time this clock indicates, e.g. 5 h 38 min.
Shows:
5 h 56 min
